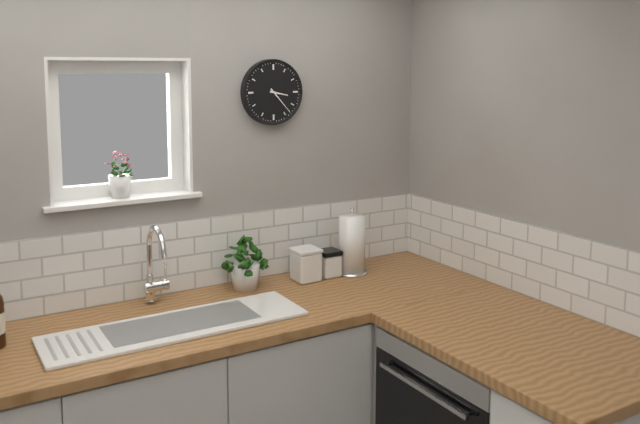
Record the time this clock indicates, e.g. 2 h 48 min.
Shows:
3 h 23 min
